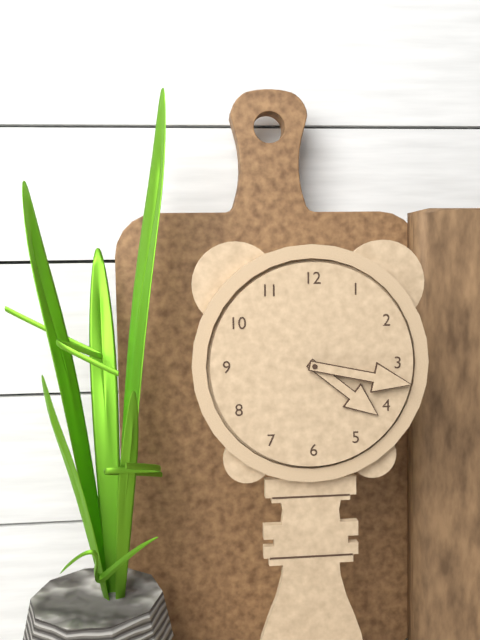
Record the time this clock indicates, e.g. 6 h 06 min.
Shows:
4 h 17 min
